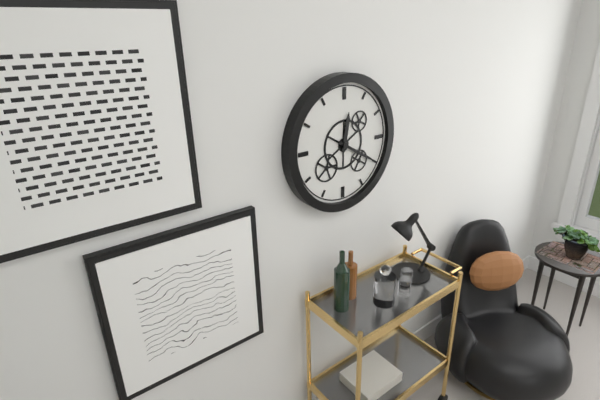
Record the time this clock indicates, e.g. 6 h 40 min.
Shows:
12 h 20 min
